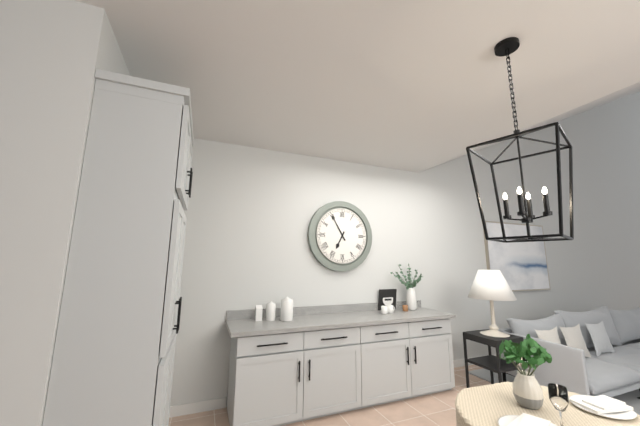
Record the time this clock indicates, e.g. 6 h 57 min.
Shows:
6 h 55 min
